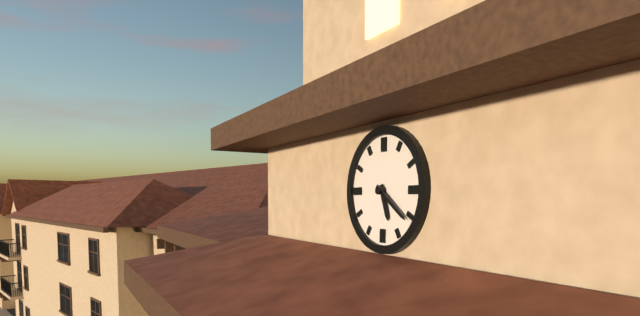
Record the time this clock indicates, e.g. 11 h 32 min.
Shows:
5 h 21 min
